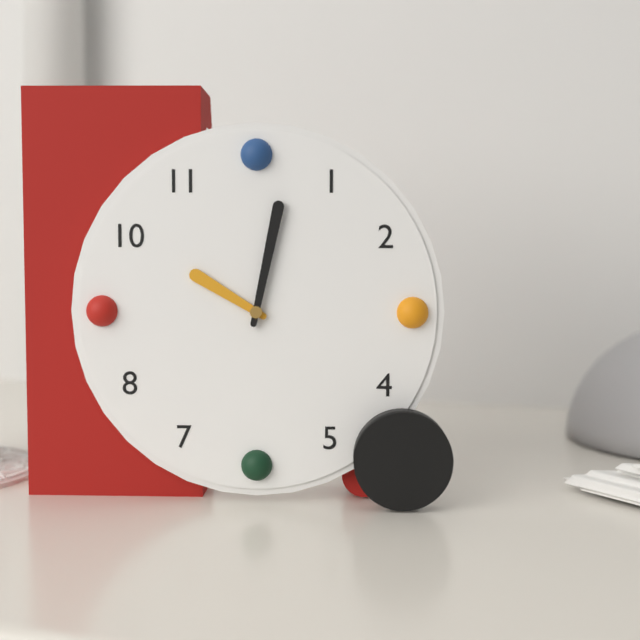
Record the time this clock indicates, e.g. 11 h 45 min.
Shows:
10 h 02 min
